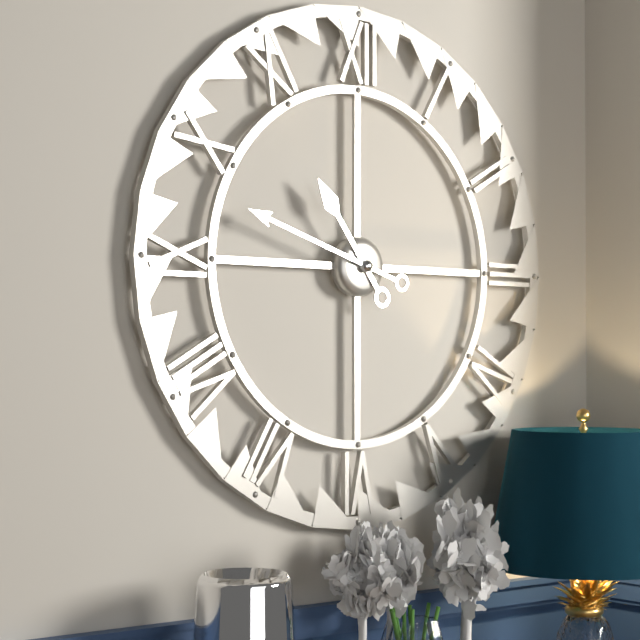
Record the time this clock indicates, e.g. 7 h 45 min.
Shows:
10 h 48 min
